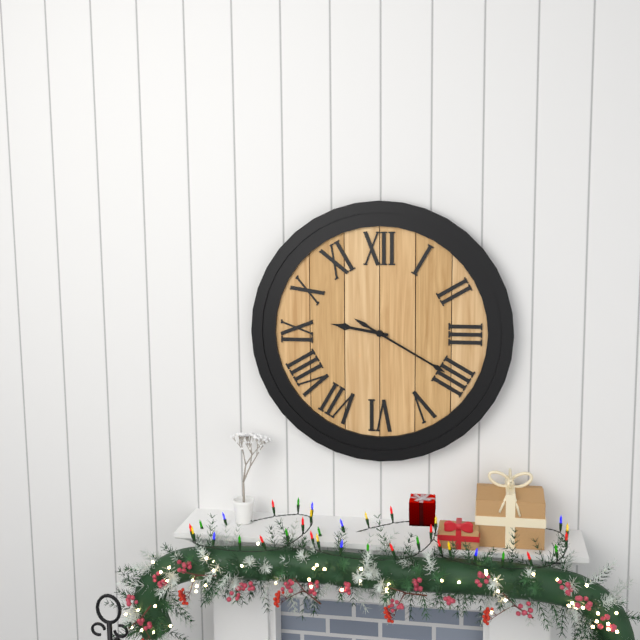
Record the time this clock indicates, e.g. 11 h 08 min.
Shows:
9 h 20 min
